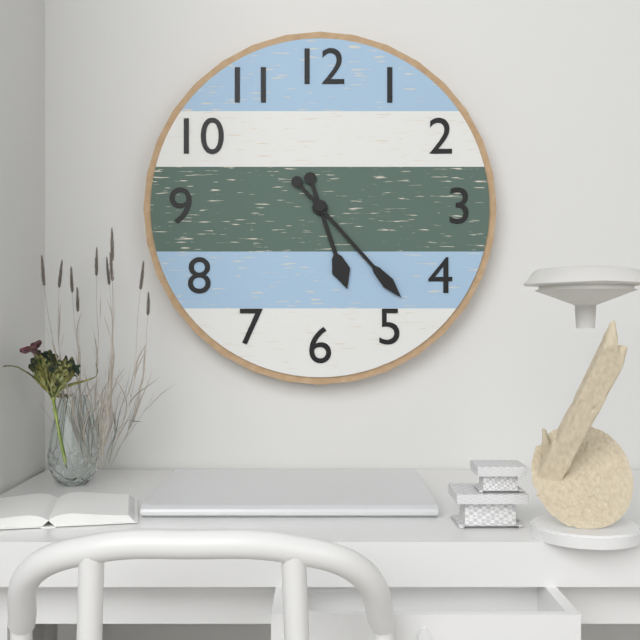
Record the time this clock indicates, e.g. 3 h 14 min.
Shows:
5 h 23 min
